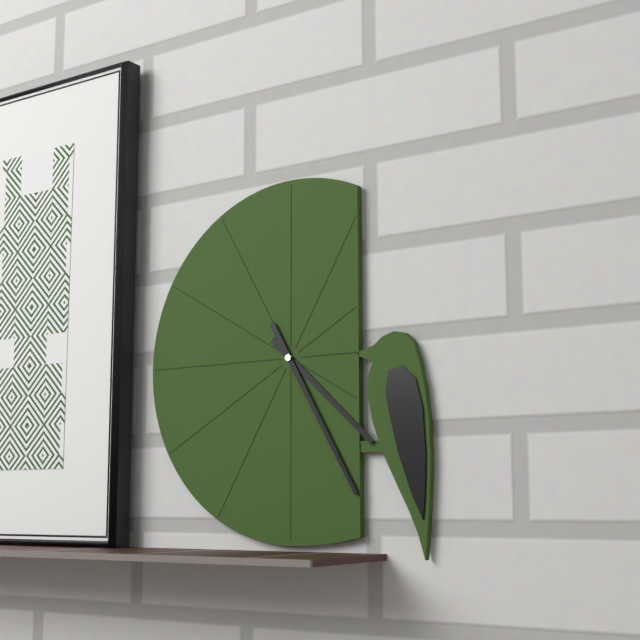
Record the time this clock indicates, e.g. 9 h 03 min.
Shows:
4 h 25 min
